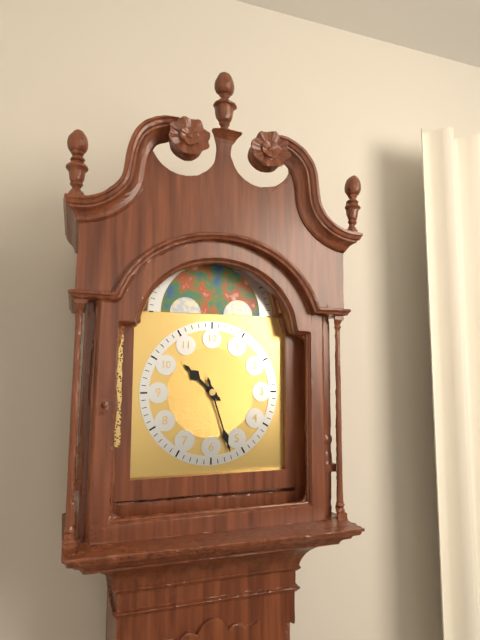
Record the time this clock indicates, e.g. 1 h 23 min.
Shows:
10 h 27 min
